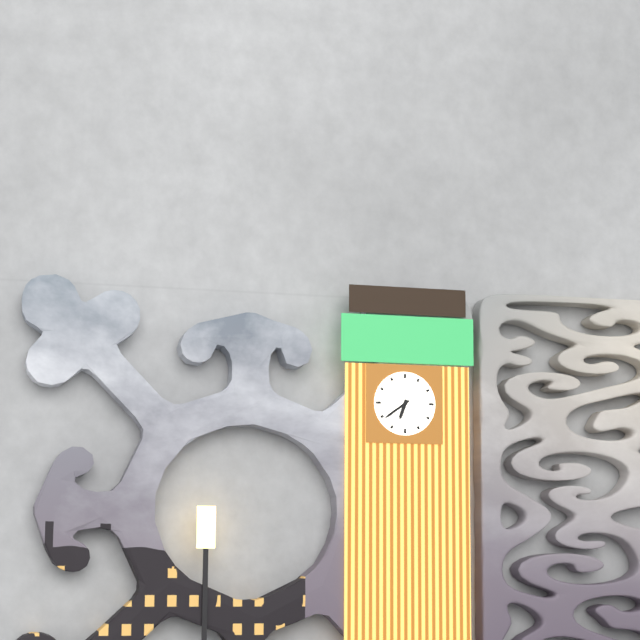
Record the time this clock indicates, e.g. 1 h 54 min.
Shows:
6 h 39 min
